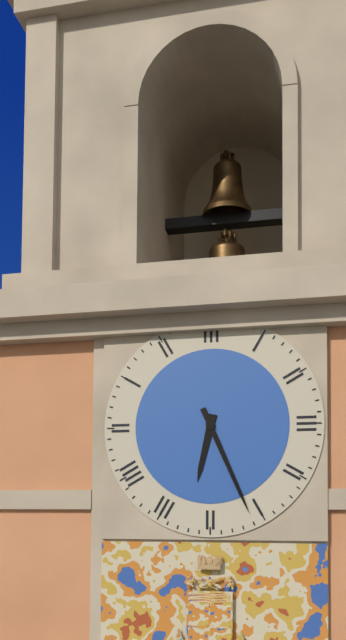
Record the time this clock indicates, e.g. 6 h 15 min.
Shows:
6 h 26 min
